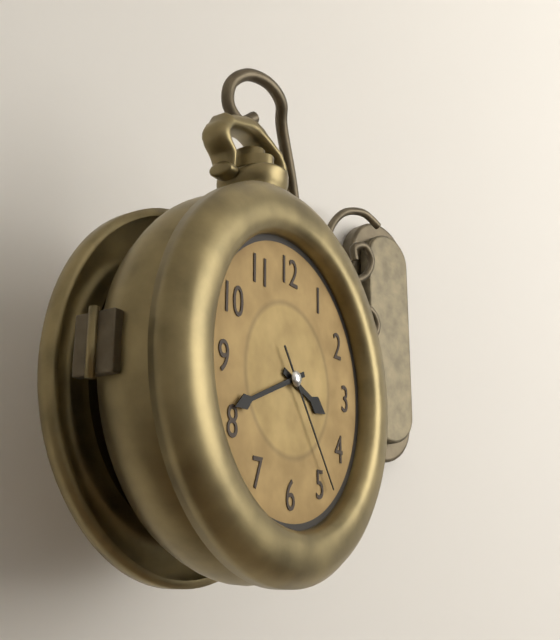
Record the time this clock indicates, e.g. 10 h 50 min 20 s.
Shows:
3 h 41 min 24 s
